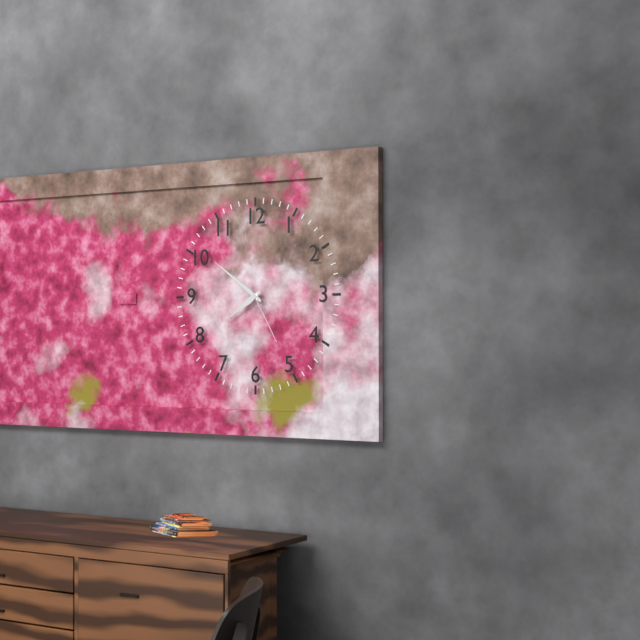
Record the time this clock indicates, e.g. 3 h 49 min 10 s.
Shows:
7 h 51 min 25 s
